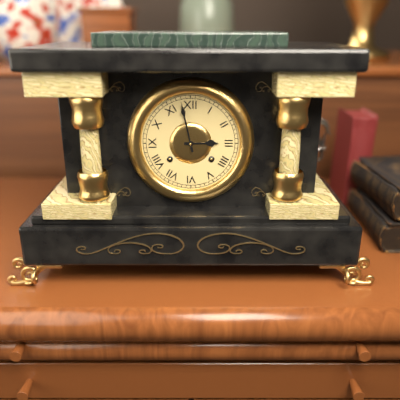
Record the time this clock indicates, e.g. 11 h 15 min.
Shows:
2 h 58 min
